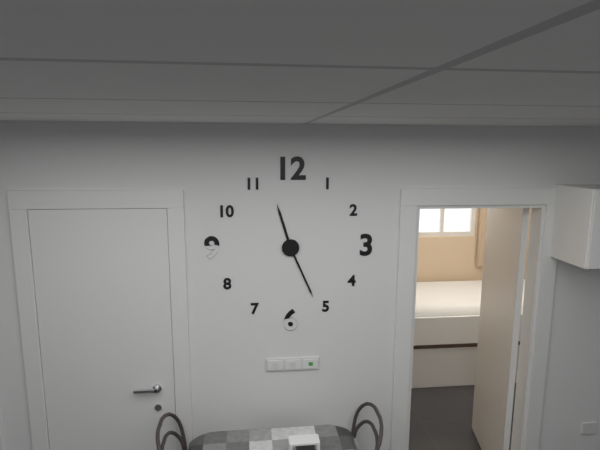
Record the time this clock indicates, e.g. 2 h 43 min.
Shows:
11 h 26 min
